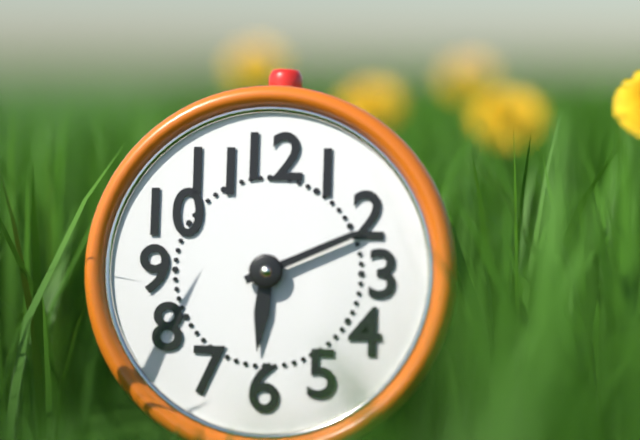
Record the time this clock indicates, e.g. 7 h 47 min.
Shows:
6 h 11 min
